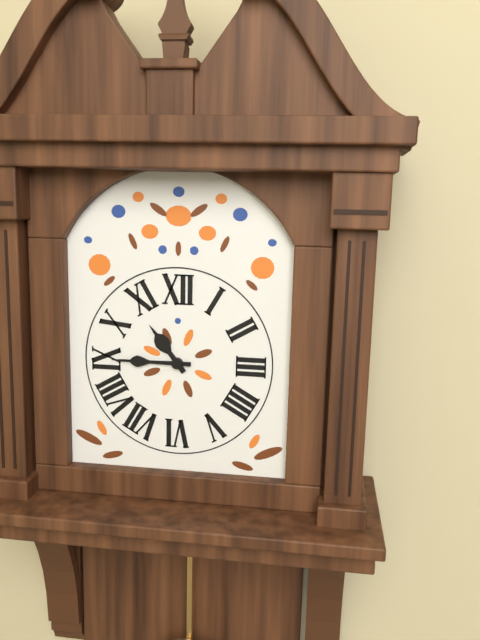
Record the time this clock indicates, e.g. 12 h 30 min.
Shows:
10 h 45 min
